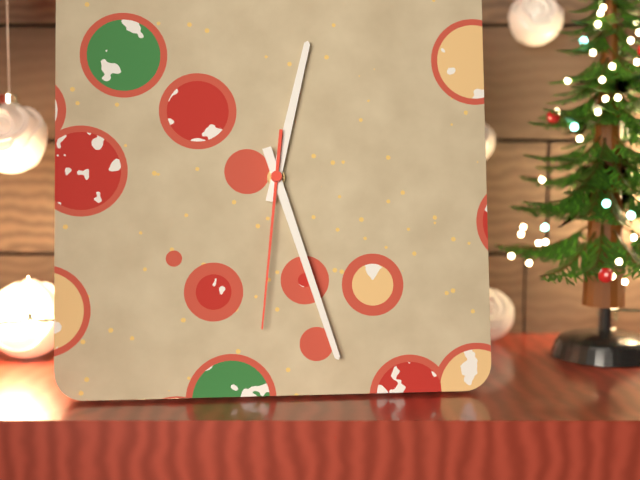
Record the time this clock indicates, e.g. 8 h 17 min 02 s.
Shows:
12 h 27 min 31 s
